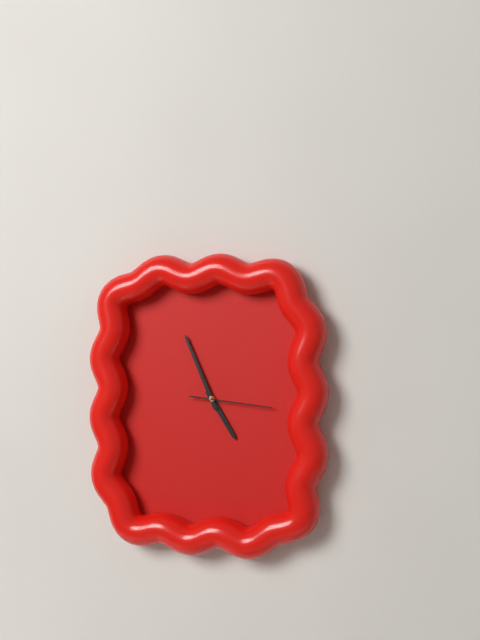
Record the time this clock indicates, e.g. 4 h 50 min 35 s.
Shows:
4 h 56 min 16 s
